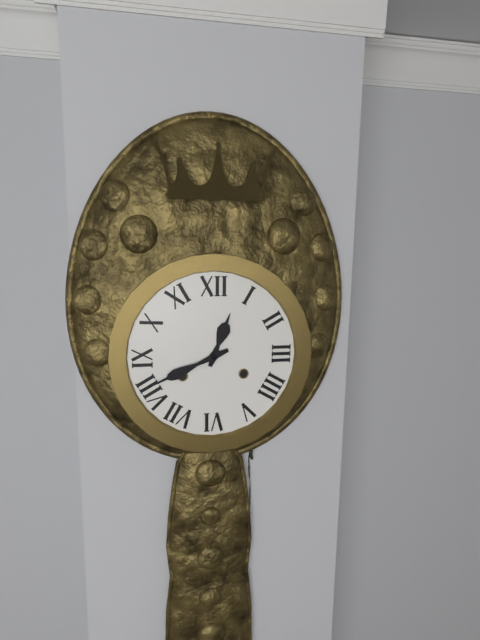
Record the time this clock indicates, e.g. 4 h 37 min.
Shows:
12 h 41 min
